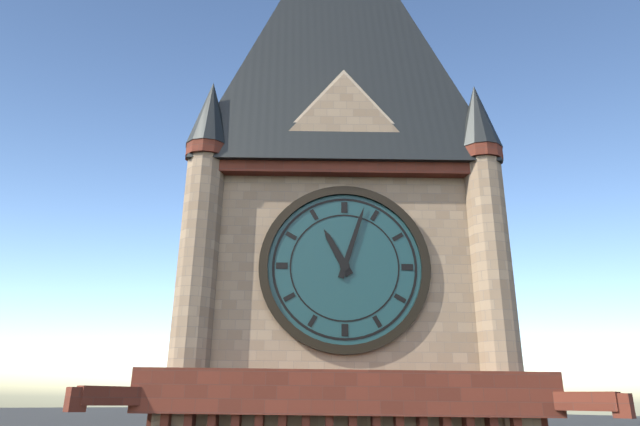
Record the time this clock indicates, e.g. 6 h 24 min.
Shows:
11 h 03 min
